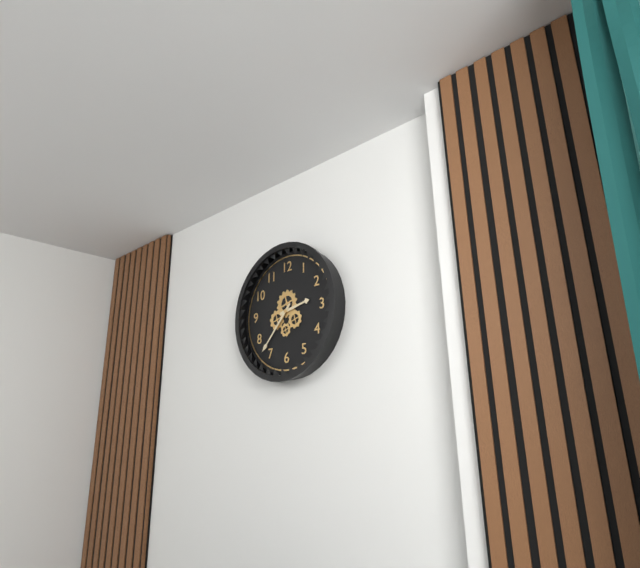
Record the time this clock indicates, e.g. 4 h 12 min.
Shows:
2 h 37 min
